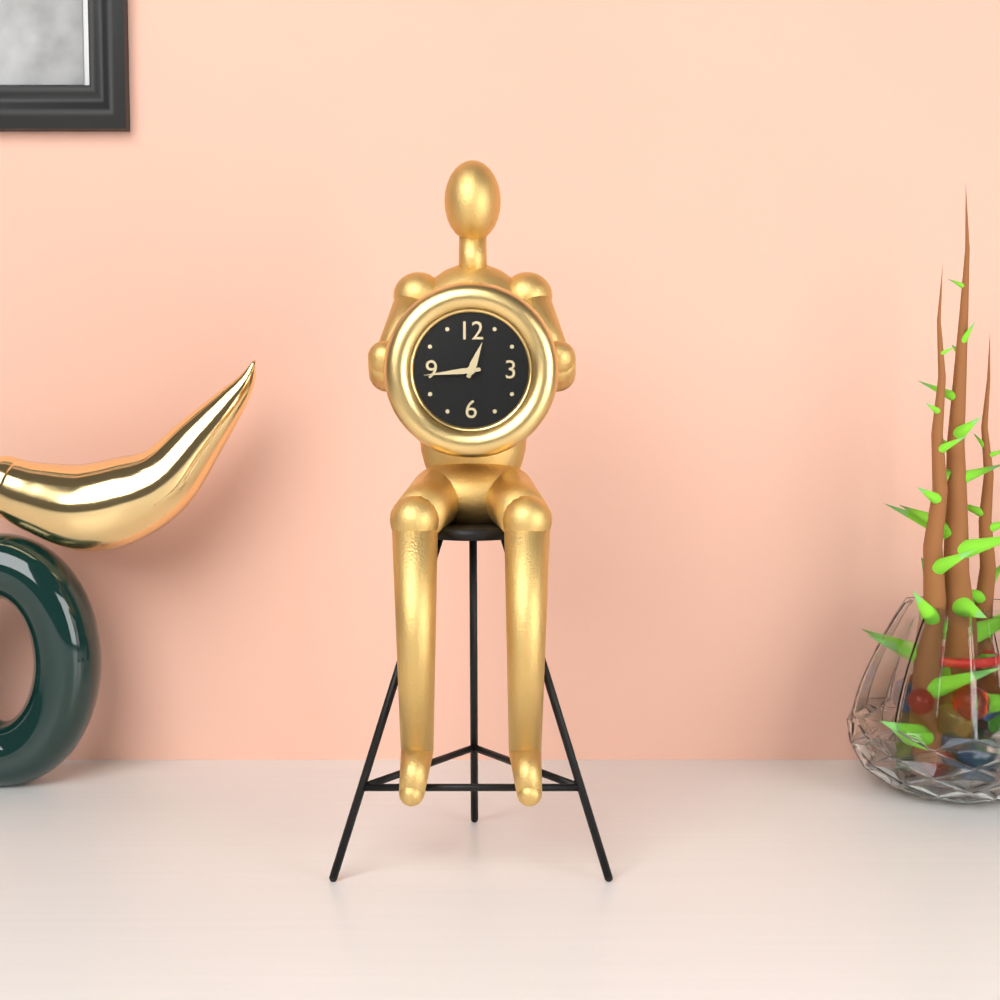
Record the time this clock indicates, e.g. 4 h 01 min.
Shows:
12 h 44 min
